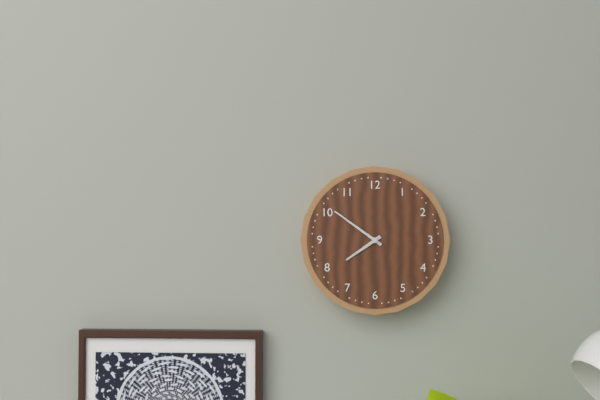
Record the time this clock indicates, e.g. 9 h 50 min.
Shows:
7 h 51 min
